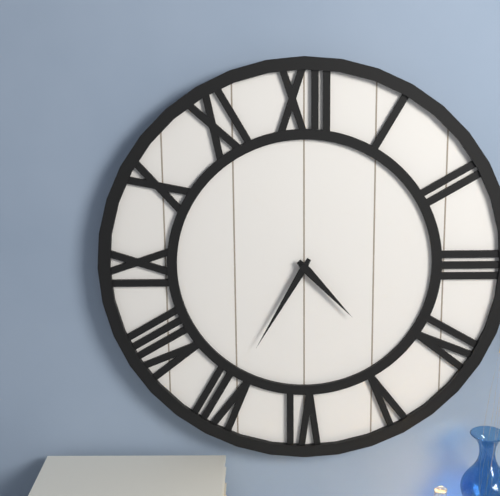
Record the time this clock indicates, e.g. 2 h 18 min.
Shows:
4 h 35 min
